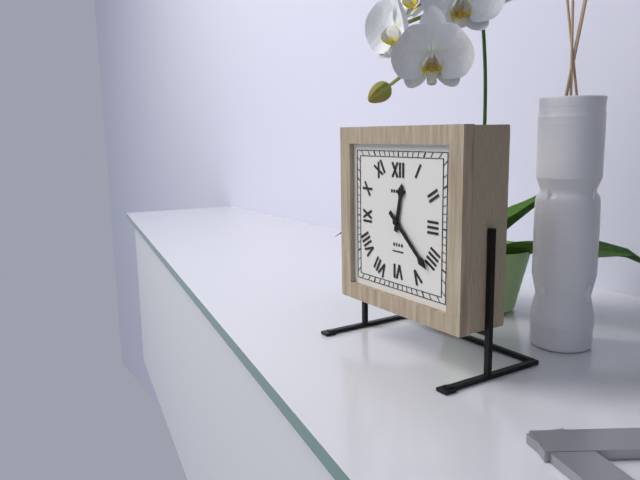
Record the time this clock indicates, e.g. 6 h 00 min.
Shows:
12 h 22 min
